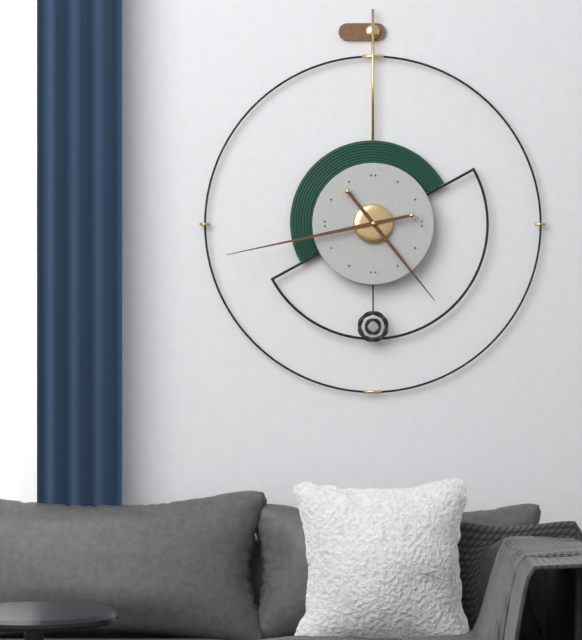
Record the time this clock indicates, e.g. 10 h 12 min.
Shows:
4 h 43 min
